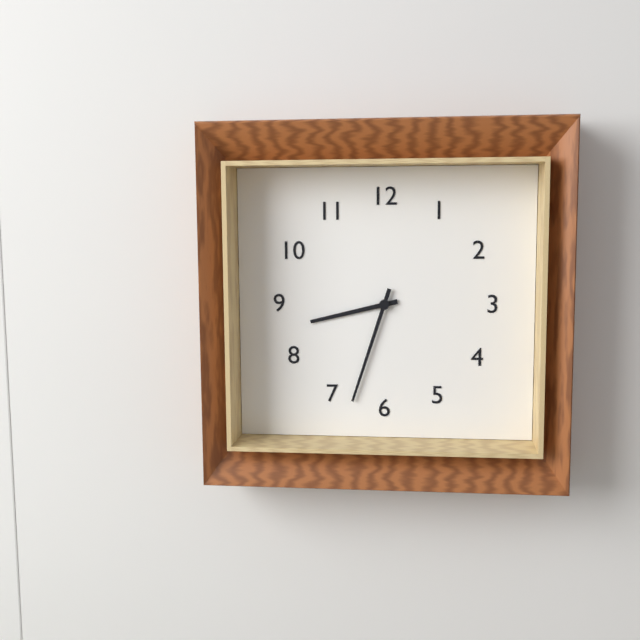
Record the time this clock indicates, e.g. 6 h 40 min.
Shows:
8 h 33 min
